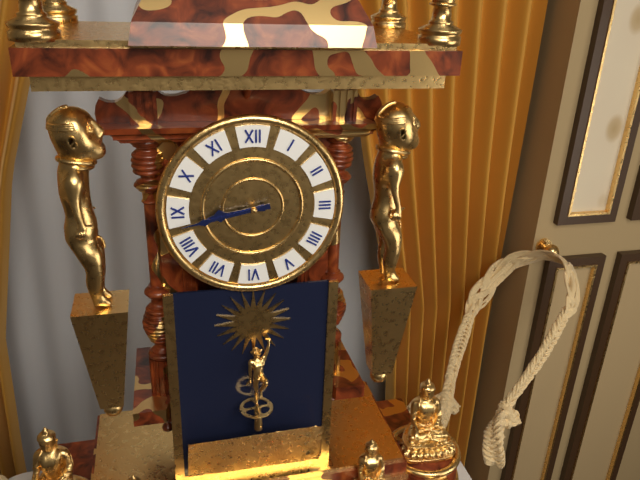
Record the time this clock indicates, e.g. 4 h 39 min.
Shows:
8 h 43 min
